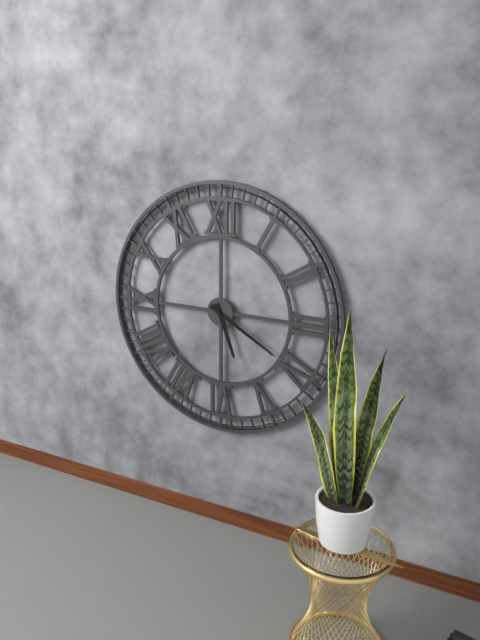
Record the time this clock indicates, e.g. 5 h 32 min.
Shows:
5 h 20 min
